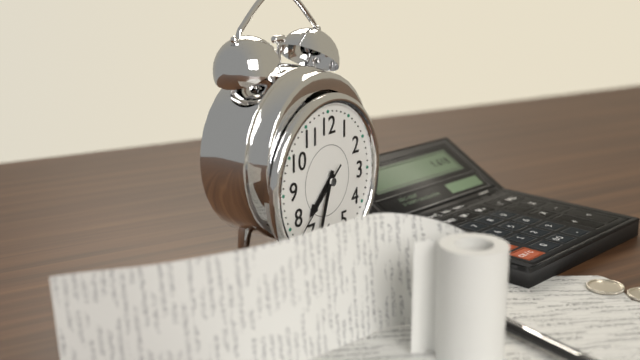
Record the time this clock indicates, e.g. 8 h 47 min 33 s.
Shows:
7 h 33 min 38 s
